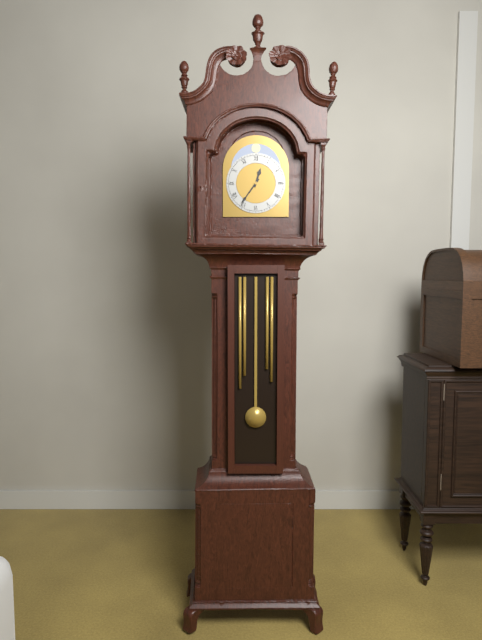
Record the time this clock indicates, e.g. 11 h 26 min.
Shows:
12 h 36 min
